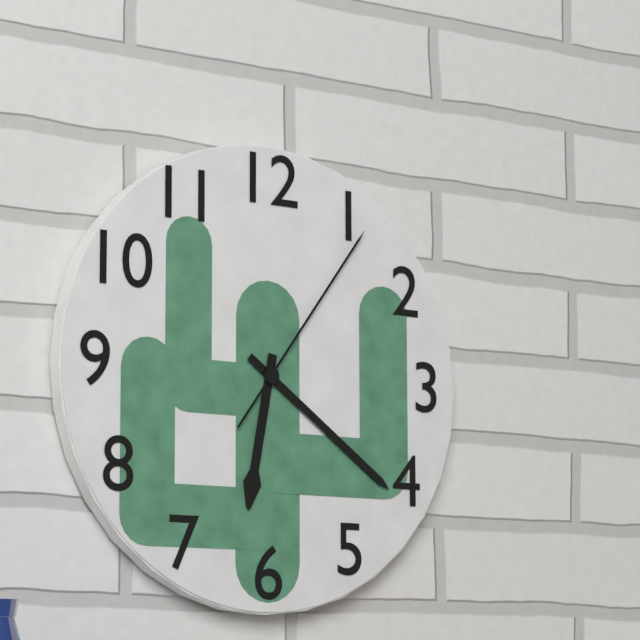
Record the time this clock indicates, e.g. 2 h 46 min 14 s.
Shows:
6 h 21 min 06 s
